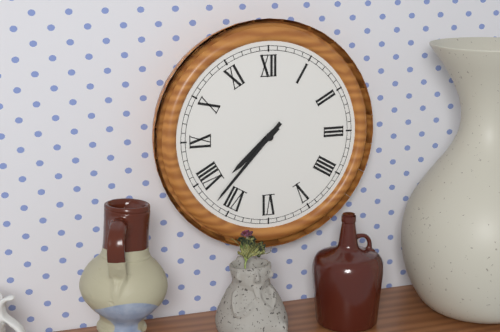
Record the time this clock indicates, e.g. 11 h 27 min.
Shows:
7 h 37 min
